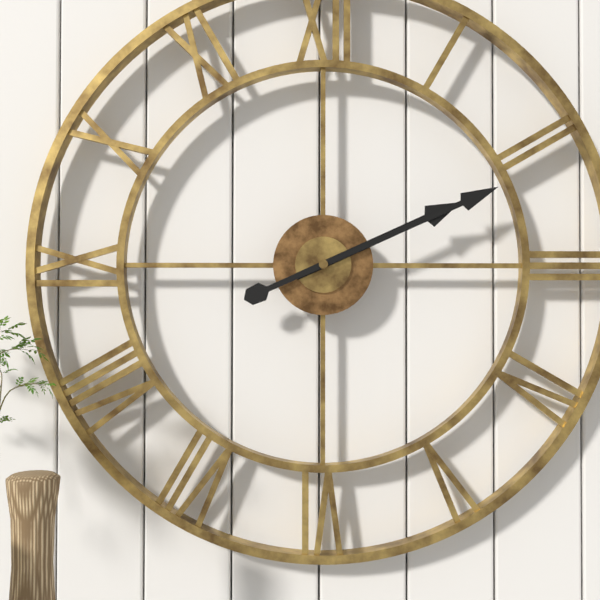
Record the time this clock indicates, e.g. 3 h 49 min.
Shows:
2 h 11 min
